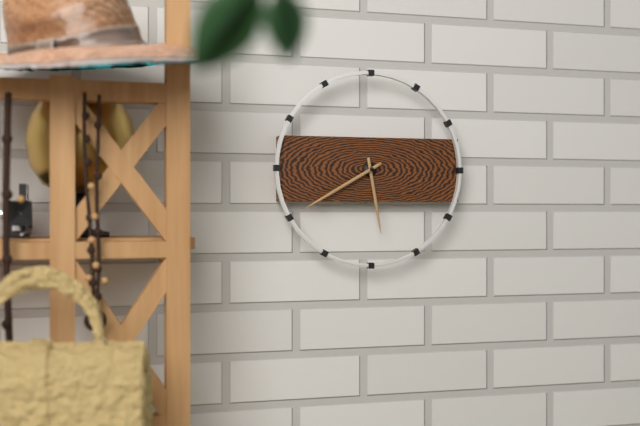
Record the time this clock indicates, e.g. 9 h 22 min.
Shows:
5 h 40 min
